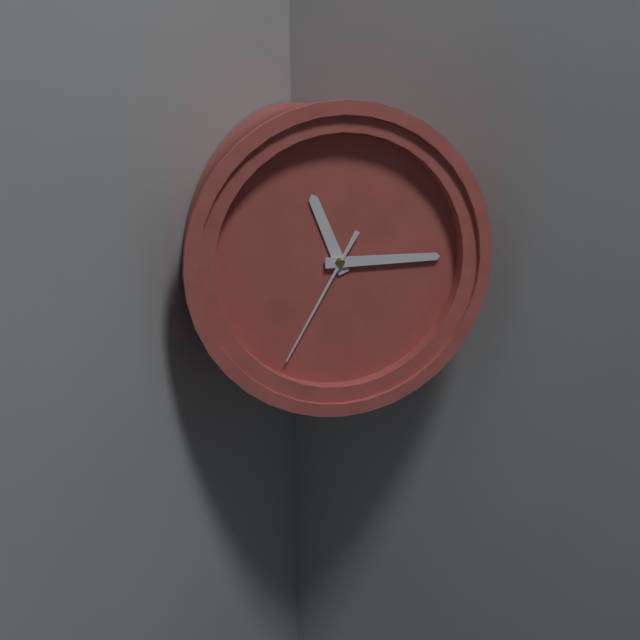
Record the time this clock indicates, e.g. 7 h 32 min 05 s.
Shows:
11 h 15 min 35 s
